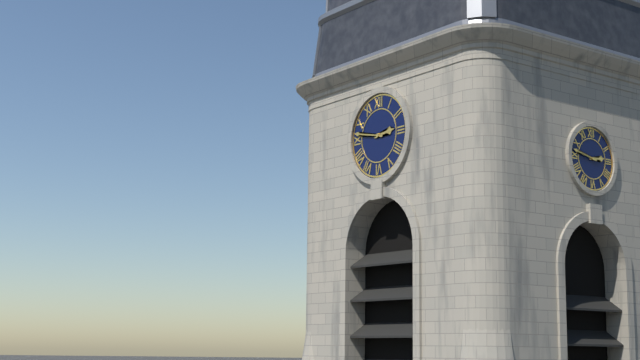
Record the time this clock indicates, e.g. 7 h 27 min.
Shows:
2 h 47 min
